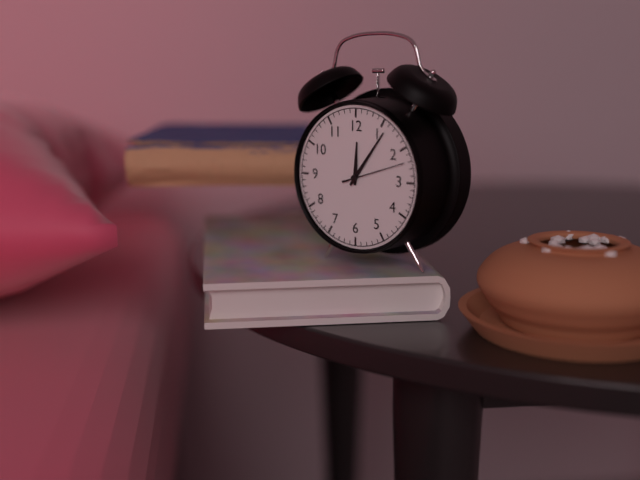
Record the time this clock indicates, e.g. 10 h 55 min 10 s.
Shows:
12 h 06 min 12 s
